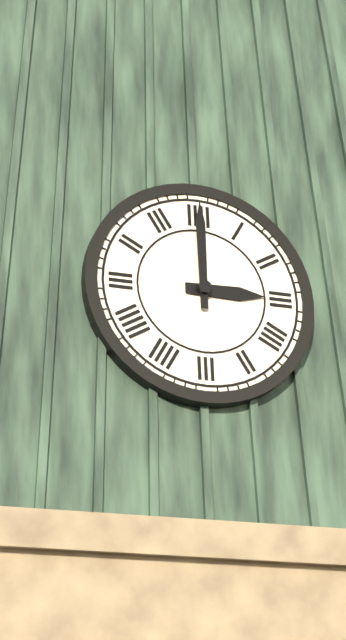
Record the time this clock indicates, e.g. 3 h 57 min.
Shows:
3 h 00 min
